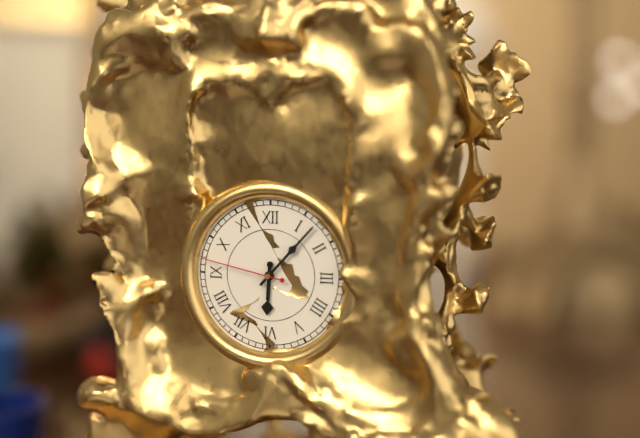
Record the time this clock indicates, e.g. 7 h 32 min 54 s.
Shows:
6 h 07 min 47 s
